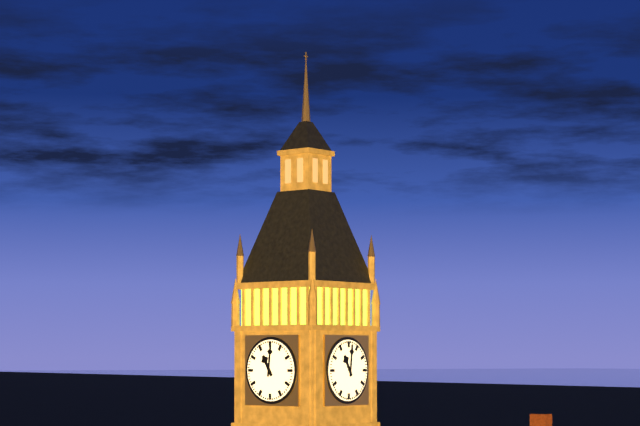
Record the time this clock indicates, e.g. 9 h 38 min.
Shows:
11 h 01 min
